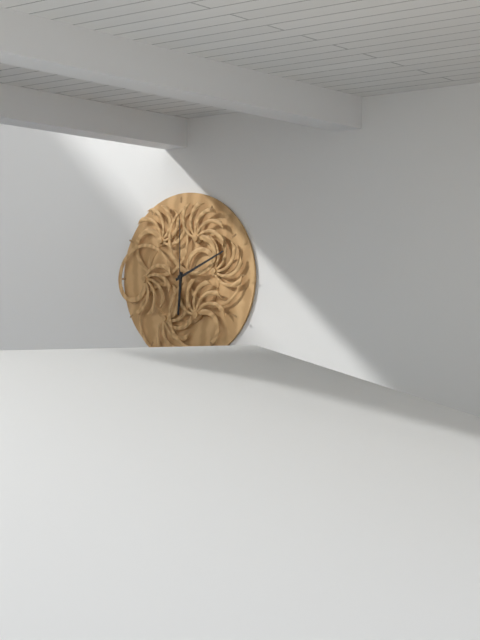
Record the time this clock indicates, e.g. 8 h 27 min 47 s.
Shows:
6 h 11 min 00 s
